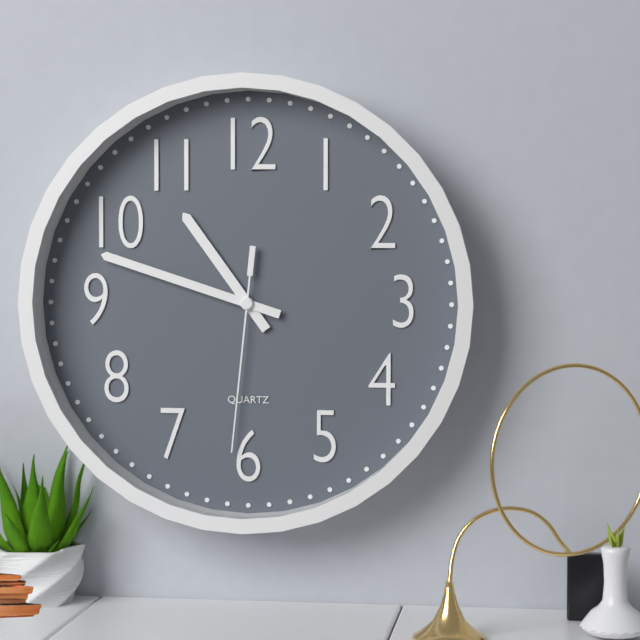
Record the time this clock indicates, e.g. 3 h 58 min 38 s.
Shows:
10 h 48 min 31 s
